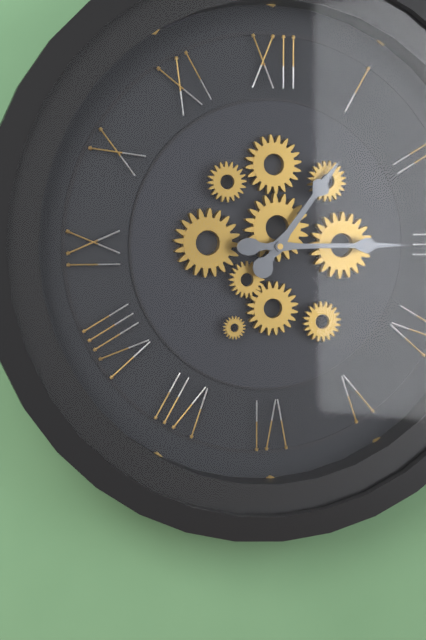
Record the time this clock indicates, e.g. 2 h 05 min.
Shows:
1 h 15 min
